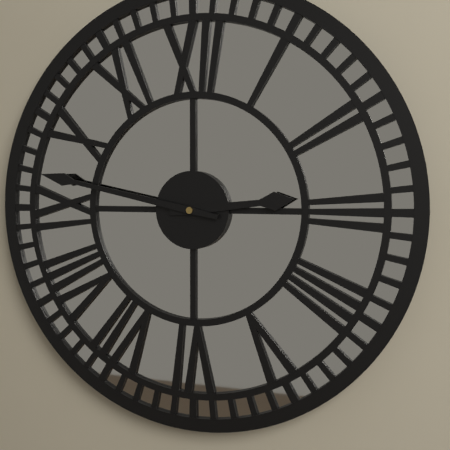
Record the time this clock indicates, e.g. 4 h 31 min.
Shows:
2 h 47 min
